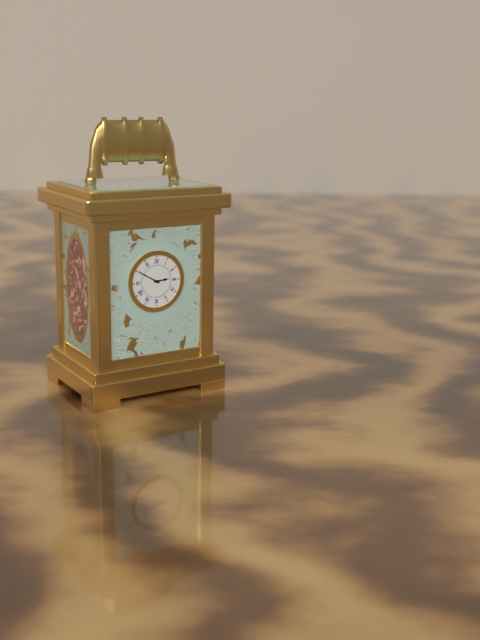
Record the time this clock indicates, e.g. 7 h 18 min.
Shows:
2 h 50 min
